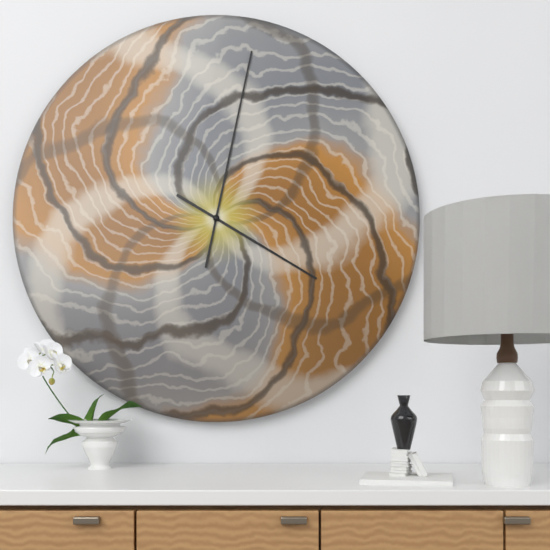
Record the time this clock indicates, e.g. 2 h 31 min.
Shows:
4 h 02 min
